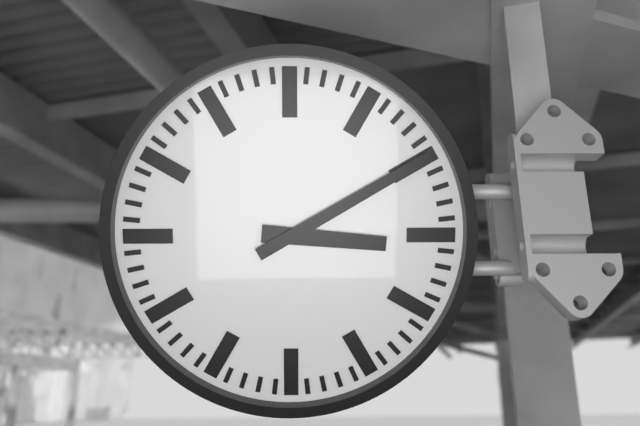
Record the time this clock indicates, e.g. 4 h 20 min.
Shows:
3 h 10 min
